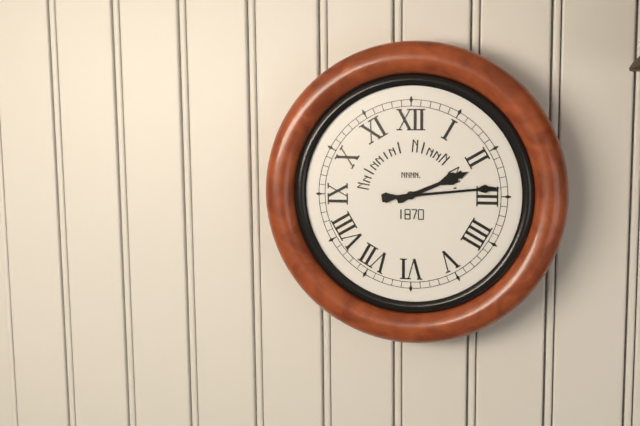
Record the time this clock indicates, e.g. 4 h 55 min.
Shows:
2 h 14 min
